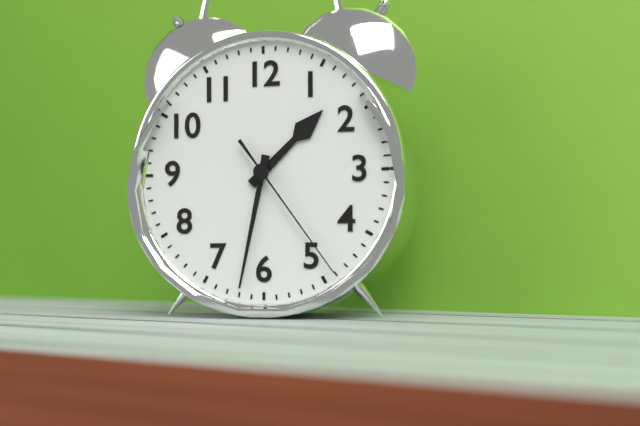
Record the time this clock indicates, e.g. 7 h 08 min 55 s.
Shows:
1 h 32 min 24 s
